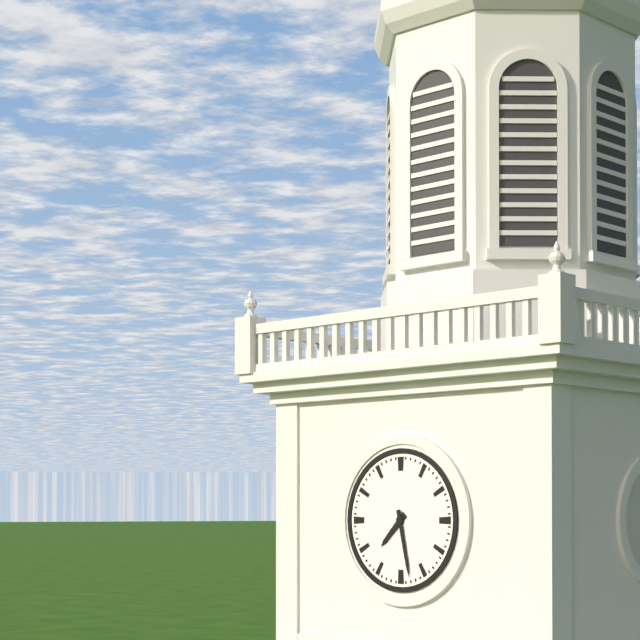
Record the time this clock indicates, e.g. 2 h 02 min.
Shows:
7 h 28 min
